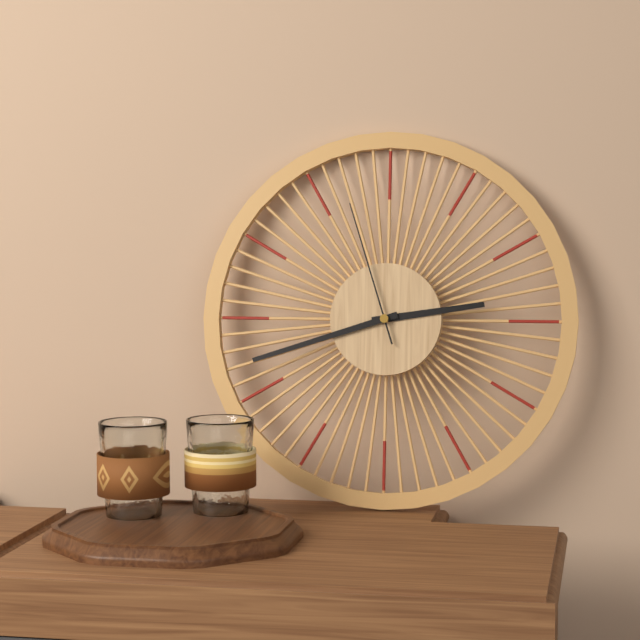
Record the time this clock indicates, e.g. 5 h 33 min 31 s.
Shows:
2 h 42 min 57 s
